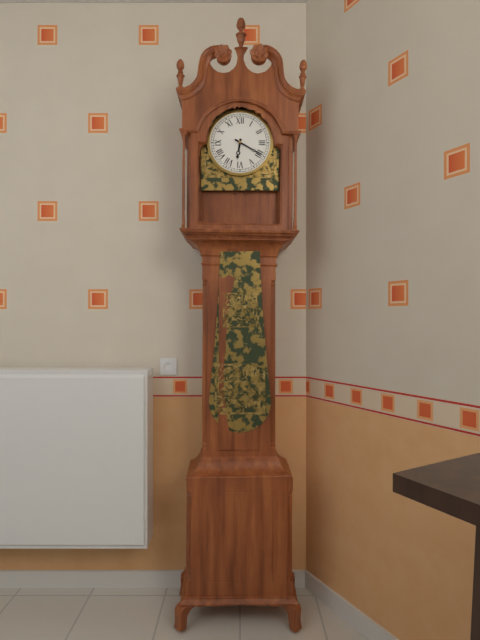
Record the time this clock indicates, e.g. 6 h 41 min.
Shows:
6 h 20 min
